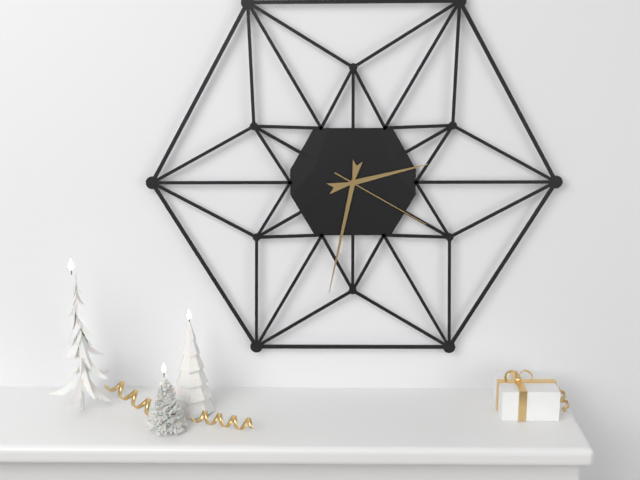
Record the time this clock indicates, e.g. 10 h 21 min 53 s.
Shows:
2 h 32 min 20 s
